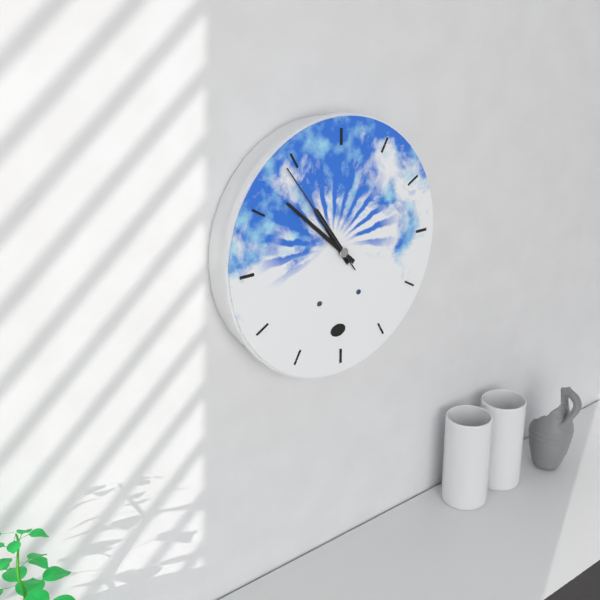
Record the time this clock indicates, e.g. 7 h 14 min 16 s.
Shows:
10 h 52 min 54 s
